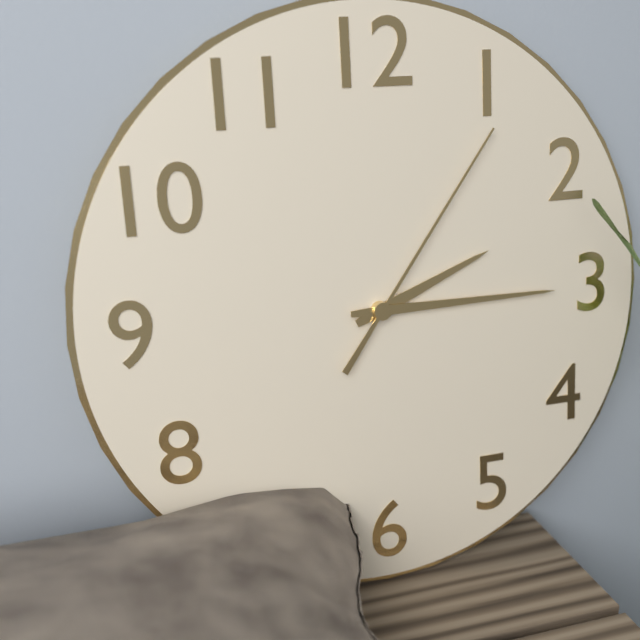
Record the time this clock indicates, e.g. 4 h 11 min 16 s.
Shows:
2 h 15 min 06 s
